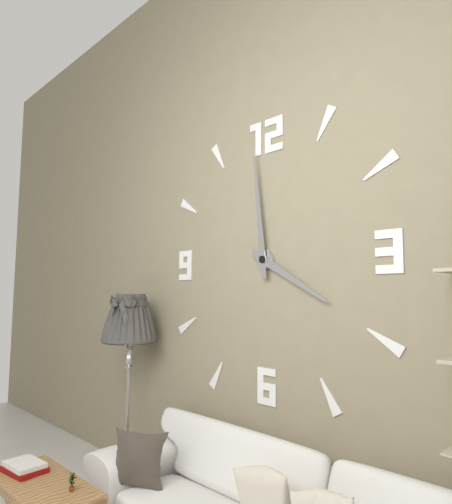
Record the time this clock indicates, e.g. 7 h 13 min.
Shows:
3 h 59 min
